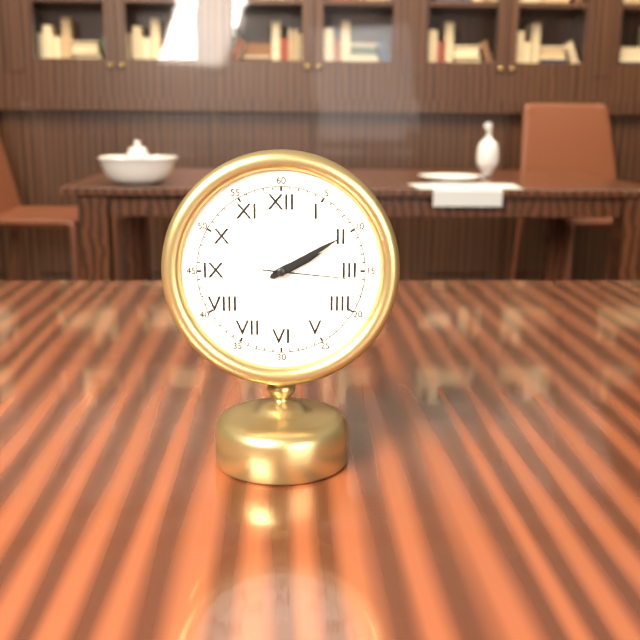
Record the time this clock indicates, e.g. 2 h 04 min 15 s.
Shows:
2 h 10 min 16 s
